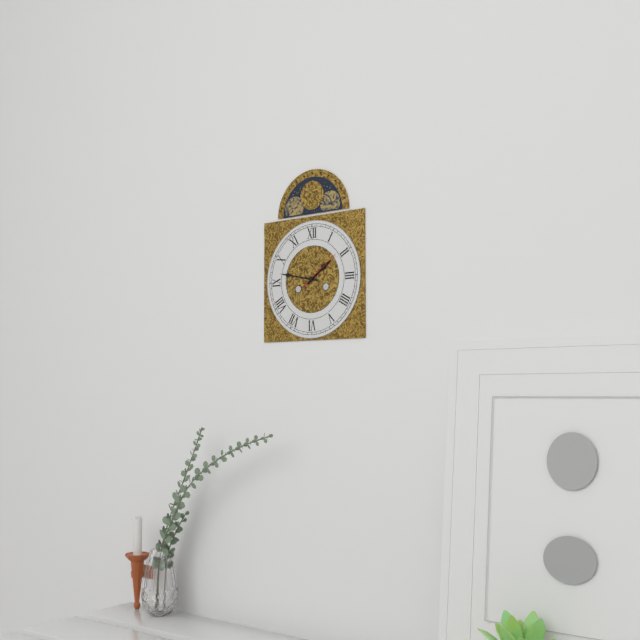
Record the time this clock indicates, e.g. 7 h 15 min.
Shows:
1 h 47 min
